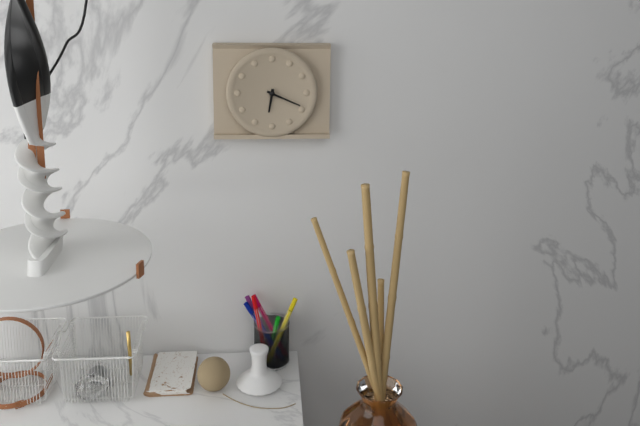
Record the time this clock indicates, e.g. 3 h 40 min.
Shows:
6 h 19 min
